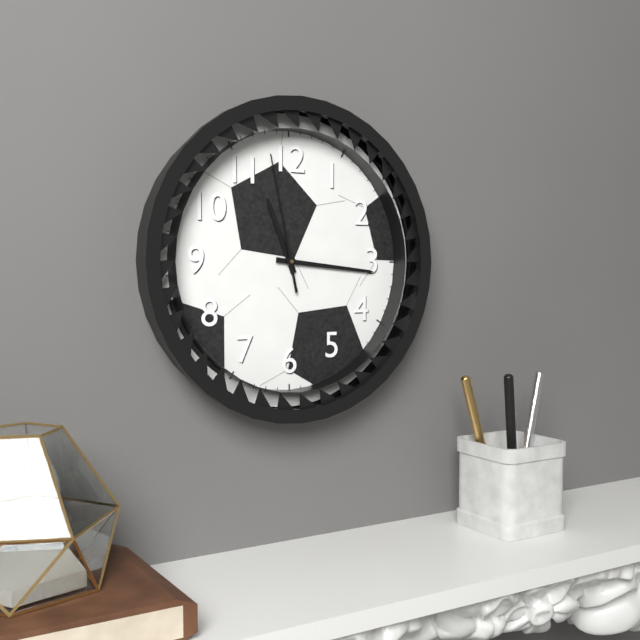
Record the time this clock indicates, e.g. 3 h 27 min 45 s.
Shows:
11 h 16 min 58 s
